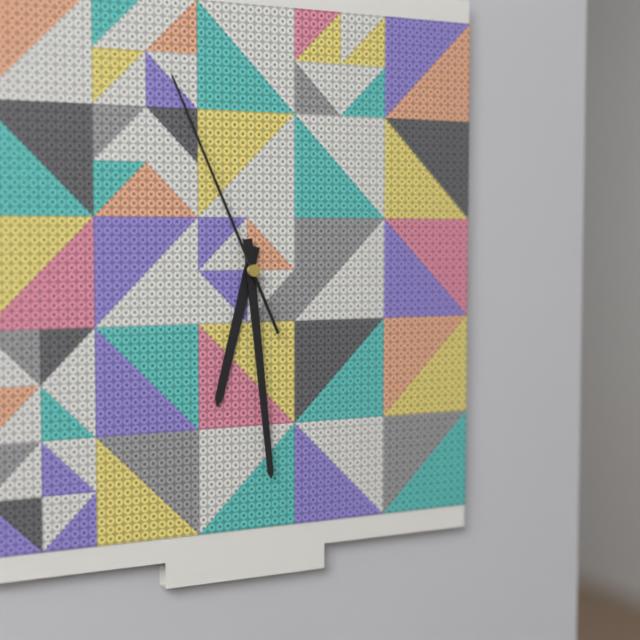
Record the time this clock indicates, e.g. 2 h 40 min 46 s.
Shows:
6 h 29 min 56 s
